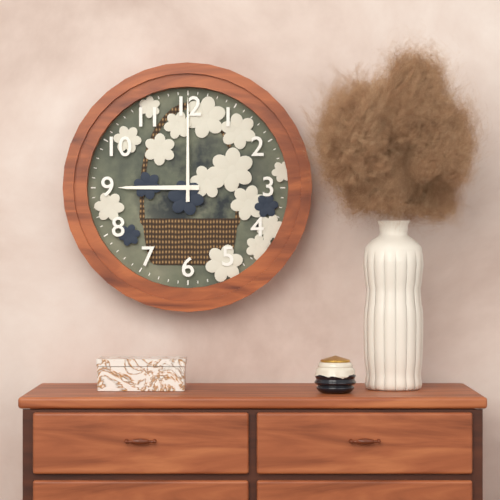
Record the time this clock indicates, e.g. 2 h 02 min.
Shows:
9 h 00 min
